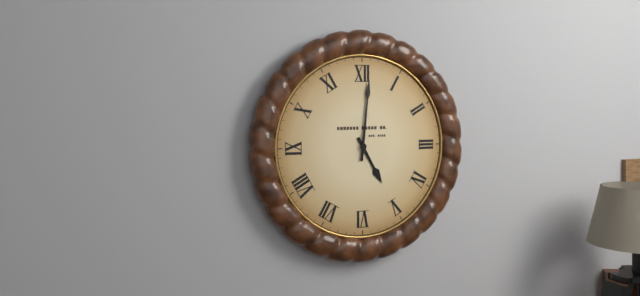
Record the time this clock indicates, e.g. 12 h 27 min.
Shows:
5 h 01 min
